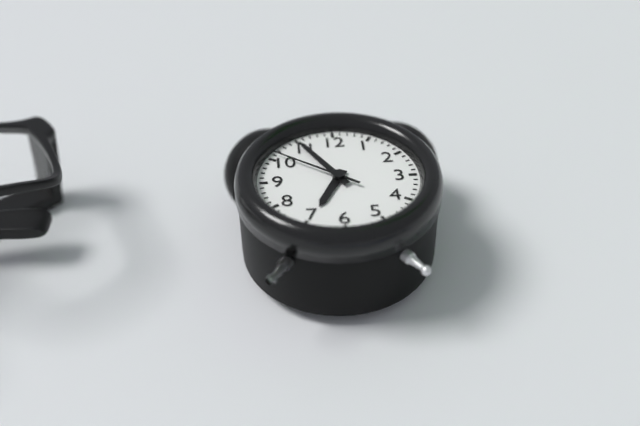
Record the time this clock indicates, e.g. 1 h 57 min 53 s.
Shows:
6 h 55 min 51 s
